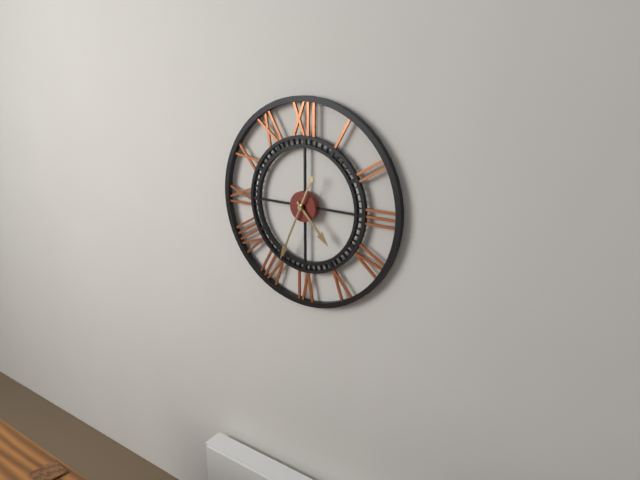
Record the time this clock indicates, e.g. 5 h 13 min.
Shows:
4 h 34 min
